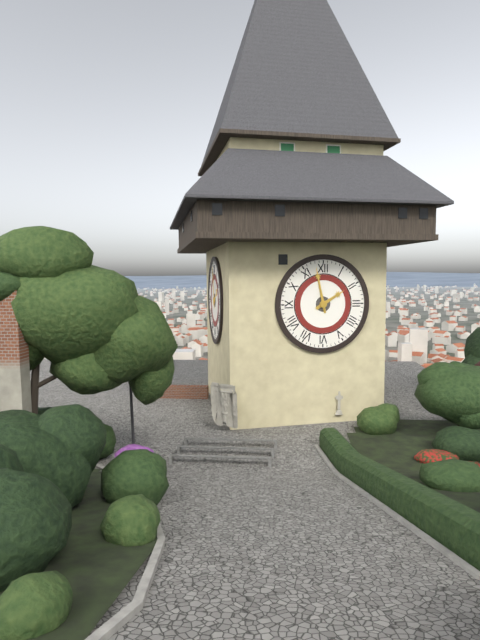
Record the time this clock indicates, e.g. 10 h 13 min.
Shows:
1 h 58 min
